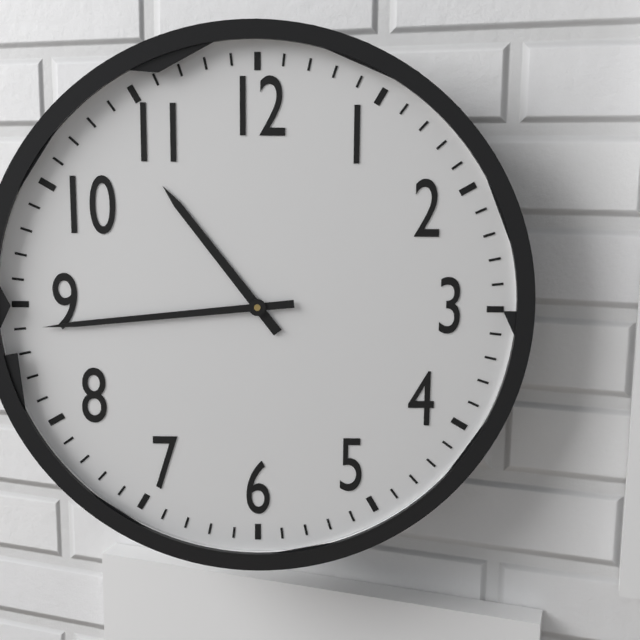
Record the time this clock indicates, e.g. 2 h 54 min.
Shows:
10 h 44 min
